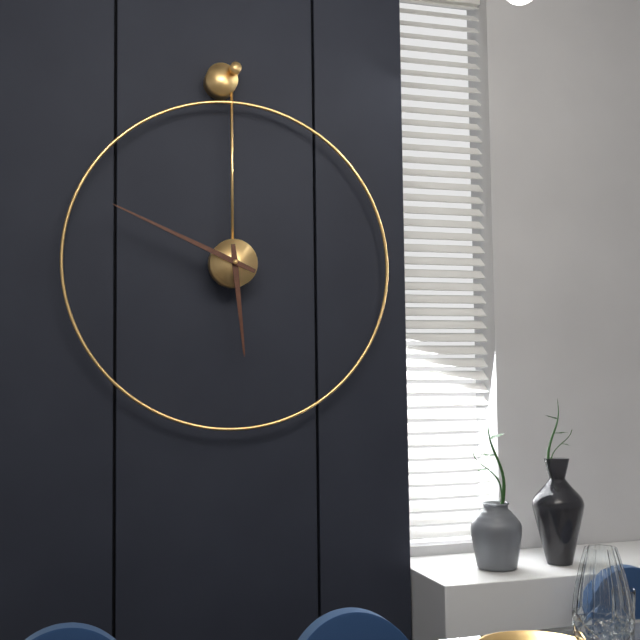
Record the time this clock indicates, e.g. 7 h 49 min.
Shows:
5 h 49 min
